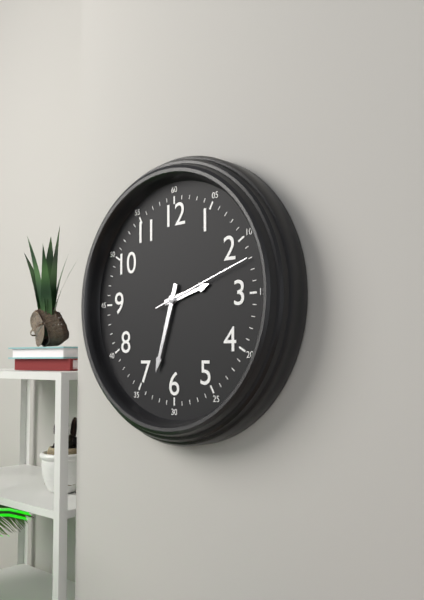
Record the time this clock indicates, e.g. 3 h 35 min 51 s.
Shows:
2 h 33 min 12 s
